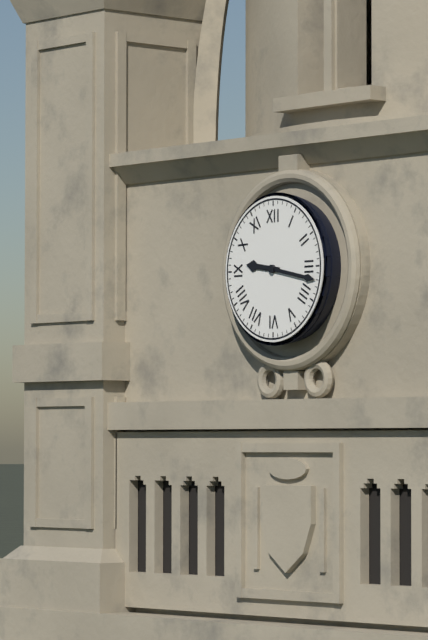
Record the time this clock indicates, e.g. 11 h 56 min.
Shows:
9 h 17 min
